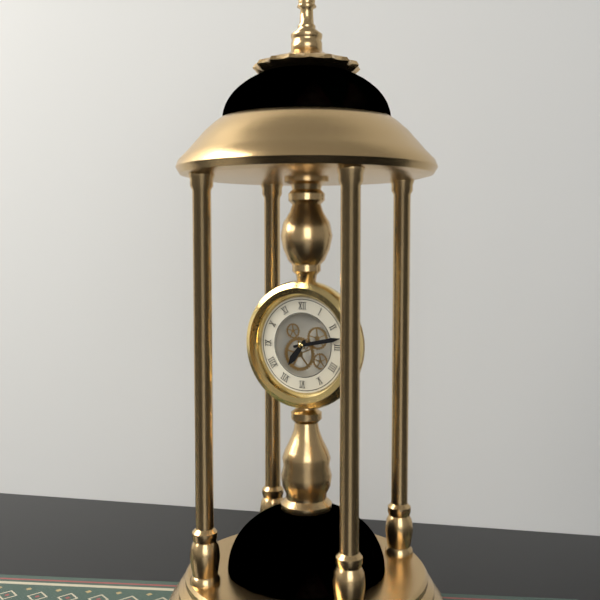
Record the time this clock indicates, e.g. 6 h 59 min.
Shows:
7 h 13 min
